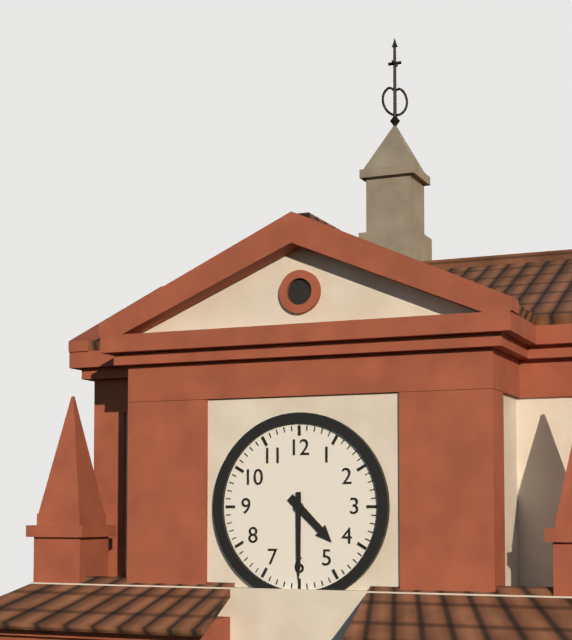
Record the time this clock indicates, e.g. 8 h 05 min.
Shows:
4 h 30 min
